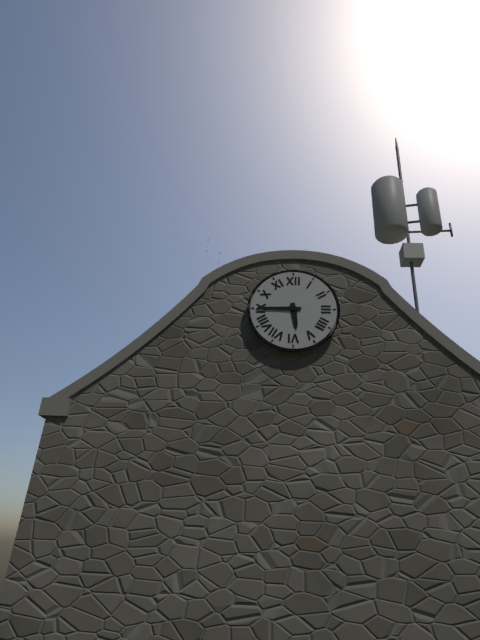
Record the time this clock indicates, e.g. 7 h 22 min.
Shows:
5 h 45 min
